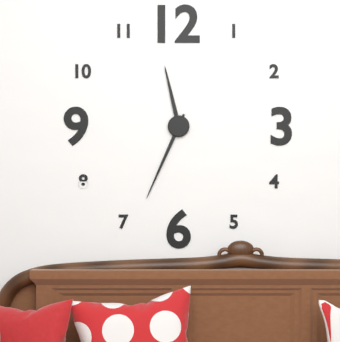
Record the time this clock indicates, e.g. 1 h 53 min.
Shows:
11 h 34 min
